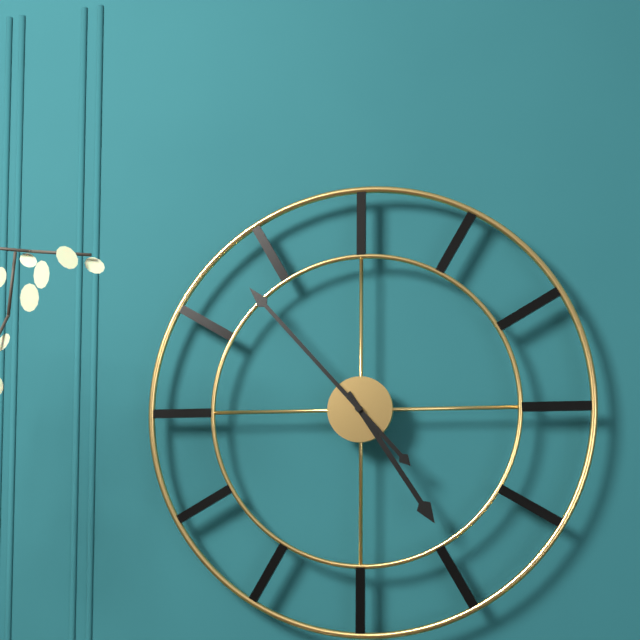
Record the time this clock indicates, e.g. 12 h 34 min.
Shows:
4 h 53 min
